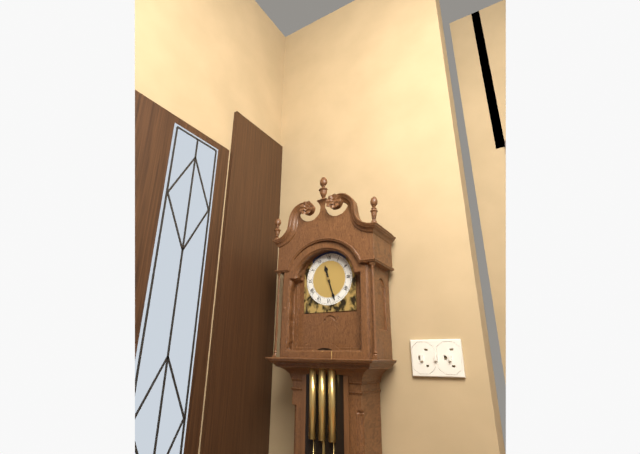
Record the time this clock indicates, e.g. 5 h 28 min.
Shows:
11 h 27 min
